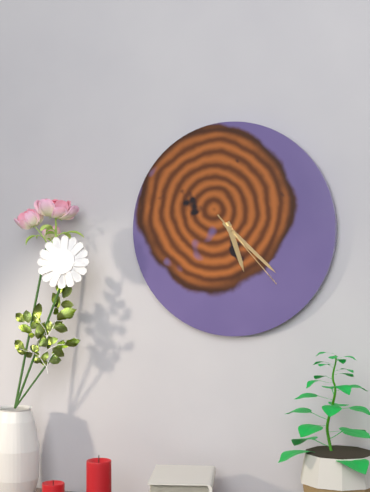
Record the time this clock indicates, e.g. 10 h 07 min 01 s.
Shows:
5 h 22 min 23 s
